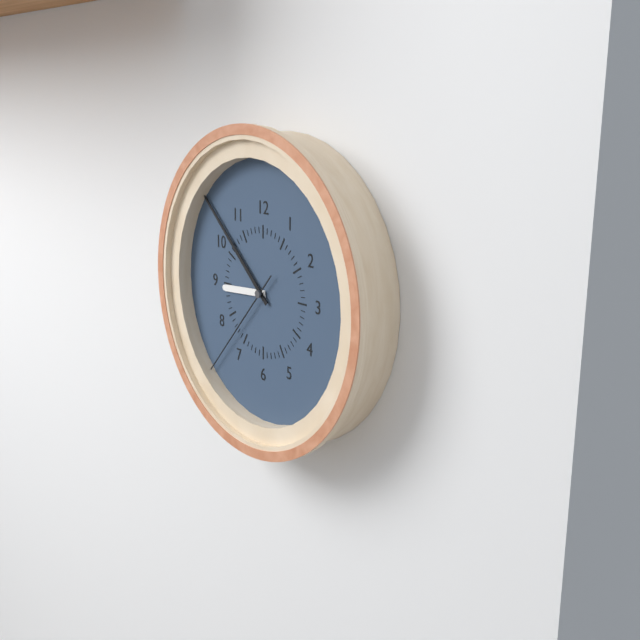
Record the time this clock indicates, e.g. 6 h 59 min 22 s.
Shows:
8 h 52 min 37 s
